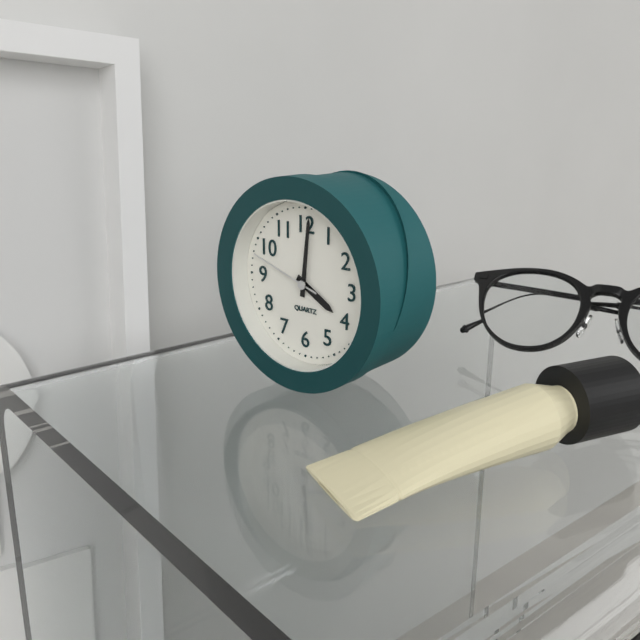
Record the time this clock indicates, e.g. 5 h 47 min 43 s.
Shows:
4 h 01 min 48 s
